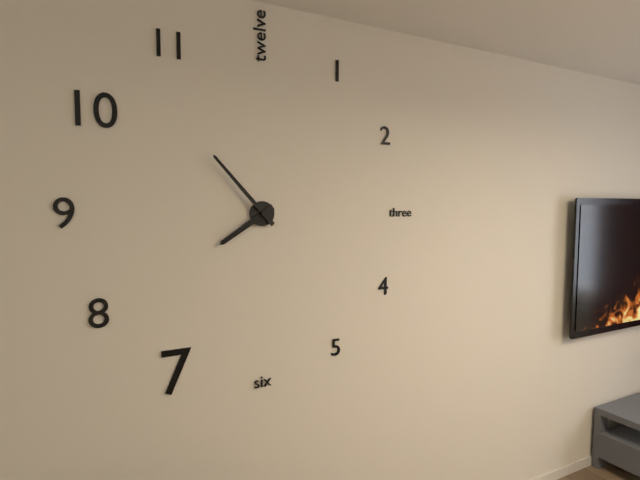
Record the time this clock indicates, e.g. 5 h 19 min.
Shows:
7 h 53 min
